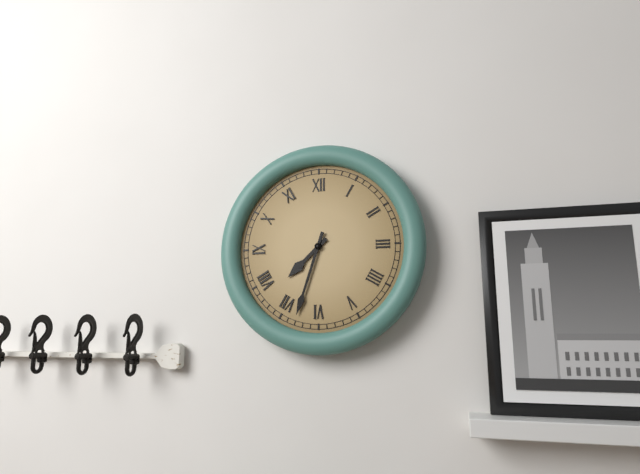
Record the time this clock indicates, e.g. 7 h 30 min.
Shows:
7 h 33 min
